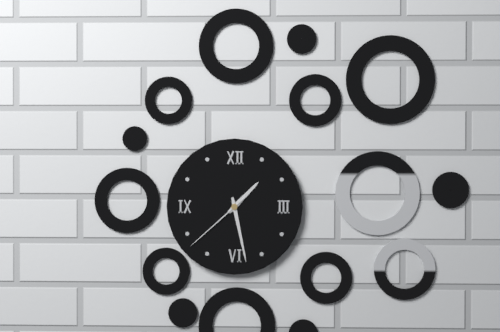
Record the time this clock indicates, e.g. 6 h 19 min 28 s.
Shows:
1 h 28 min 38 s
